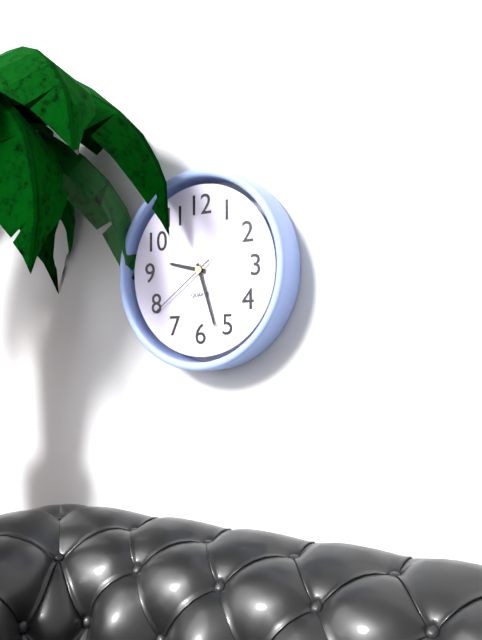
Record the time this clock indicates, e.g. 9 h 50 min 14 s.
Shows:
9 h 27 min 39 s
